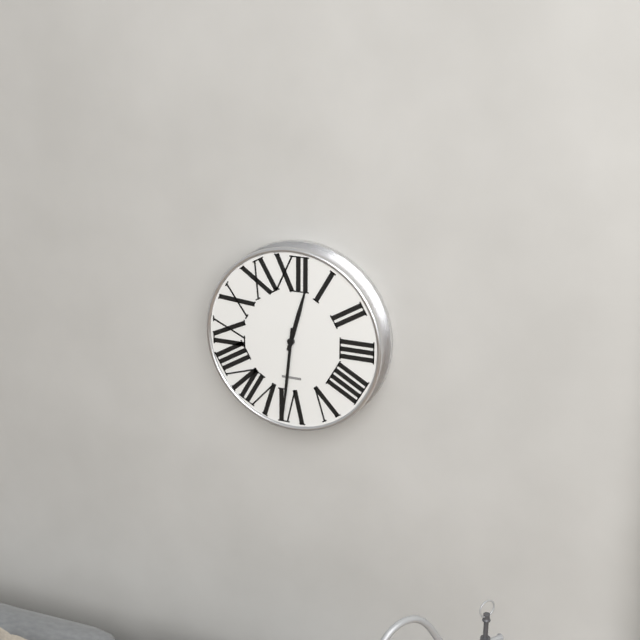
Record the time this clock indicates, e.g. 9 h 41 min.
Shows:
12 h 31 min
